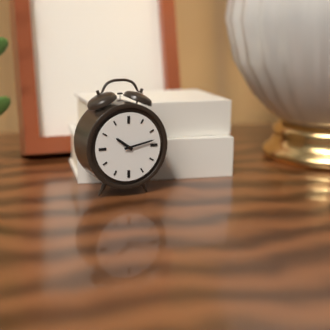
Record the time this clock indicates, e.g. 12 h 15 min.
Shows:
10 h 13 min
